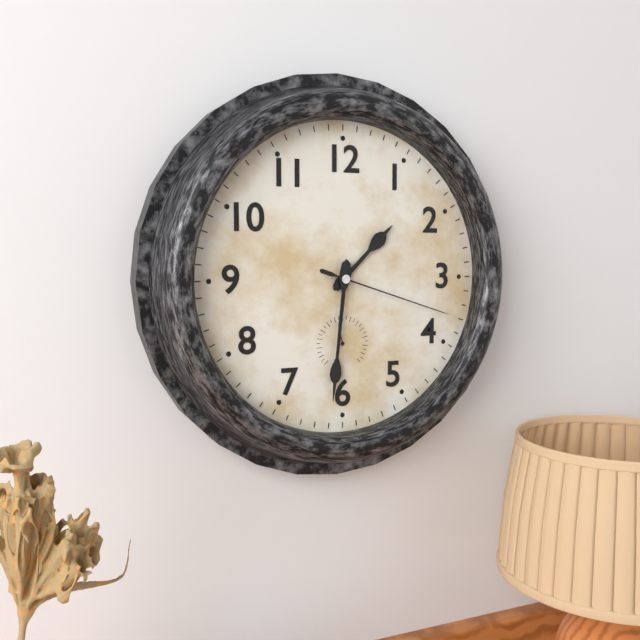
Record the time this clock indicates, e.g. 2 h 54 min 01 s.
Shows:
1 h 31 min 18 s
